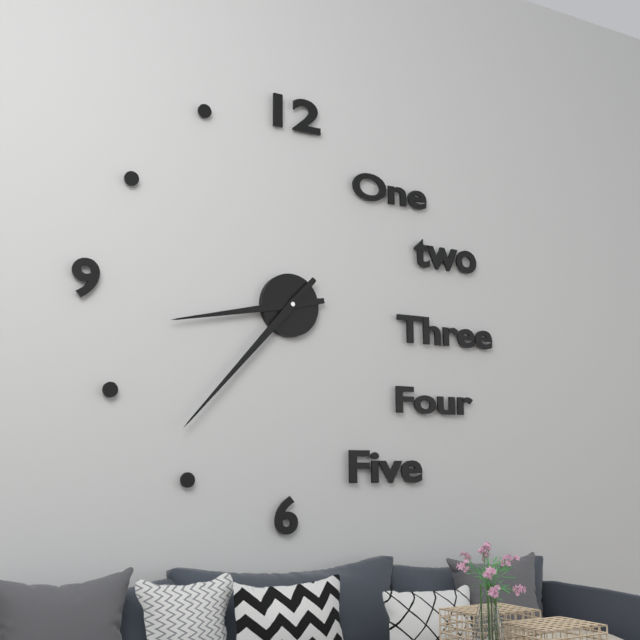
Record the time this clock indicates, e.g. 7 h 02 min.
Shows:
8 h 37 min
